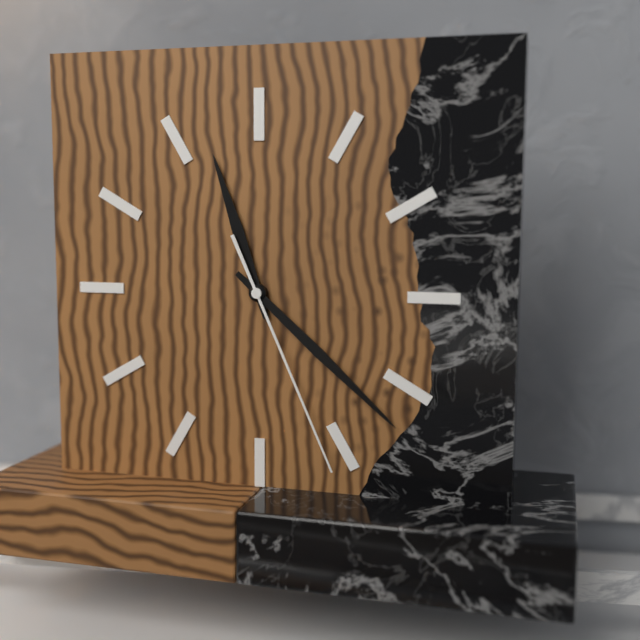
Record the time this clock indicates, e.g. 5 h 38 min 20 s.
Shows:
11 h 22 min 26 s
